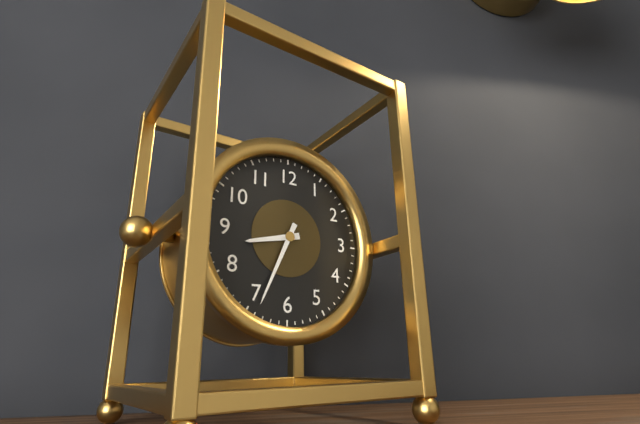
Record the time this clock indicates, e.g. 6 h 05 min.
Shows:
8 h 34 min
